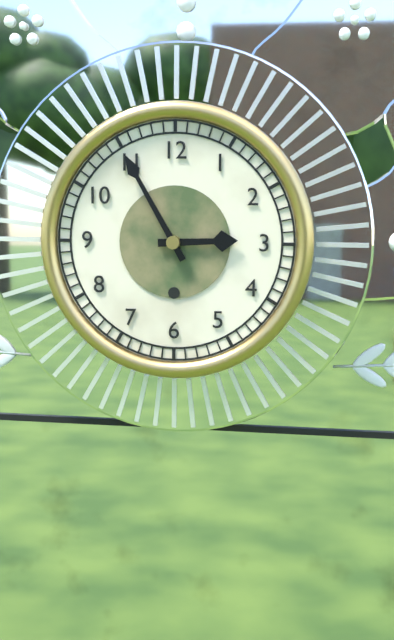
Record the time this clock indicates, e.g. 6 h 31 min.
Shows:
2 h 55 min
